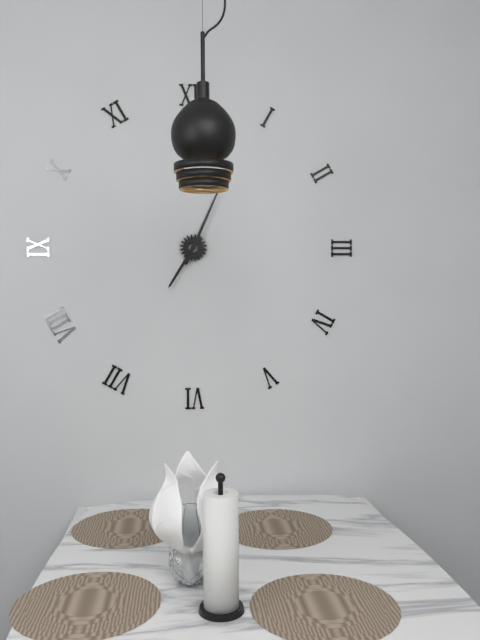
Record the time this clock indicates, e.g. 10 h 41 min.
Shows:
7 h 04 min
